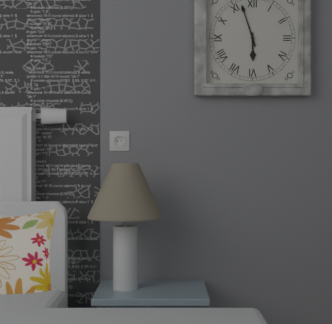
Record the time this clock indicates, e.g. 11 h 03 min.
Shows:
5 h 57 min
